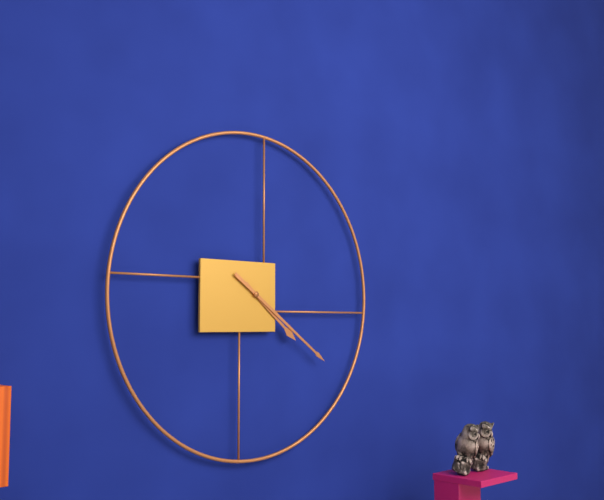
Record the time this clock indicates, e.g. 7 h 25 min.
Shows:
4 h 21 min
